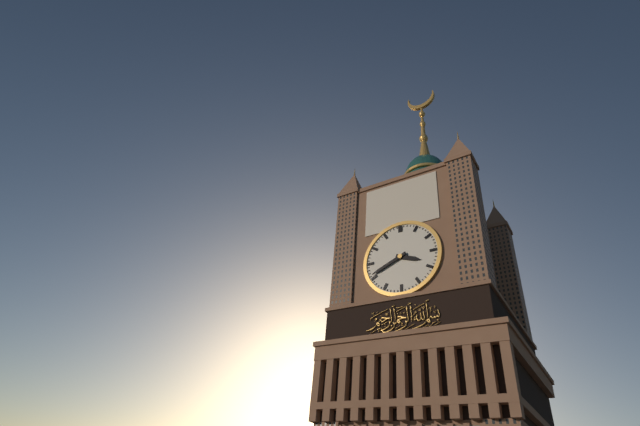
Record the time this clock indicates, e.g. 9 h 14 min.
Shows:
3 h 41 min
